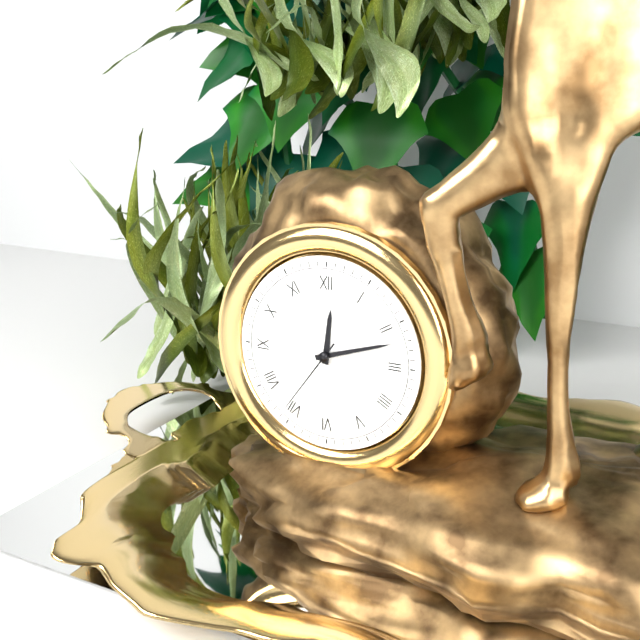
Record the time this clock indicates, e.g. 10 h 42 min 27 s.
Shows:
12 h 12 min 36 s
